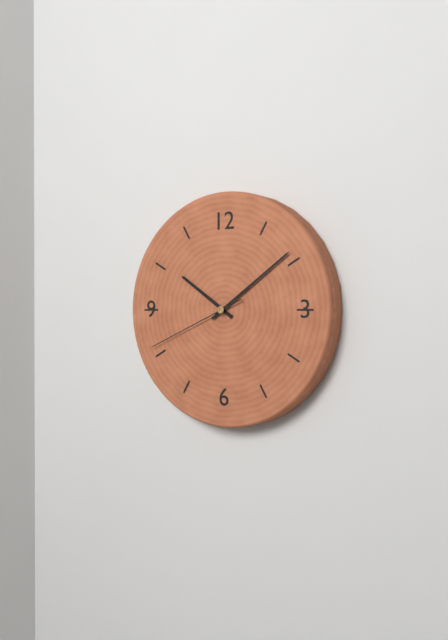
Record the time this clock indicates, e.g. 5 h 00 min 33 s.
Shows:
10 h 09 min 41 s
